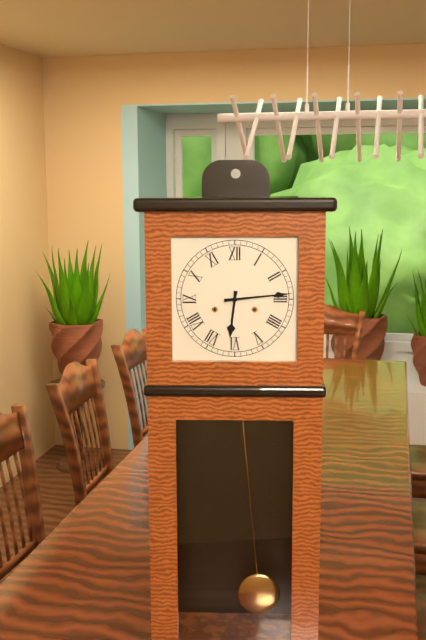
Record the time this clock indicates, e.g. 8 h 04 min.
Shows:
6 h 14 min
